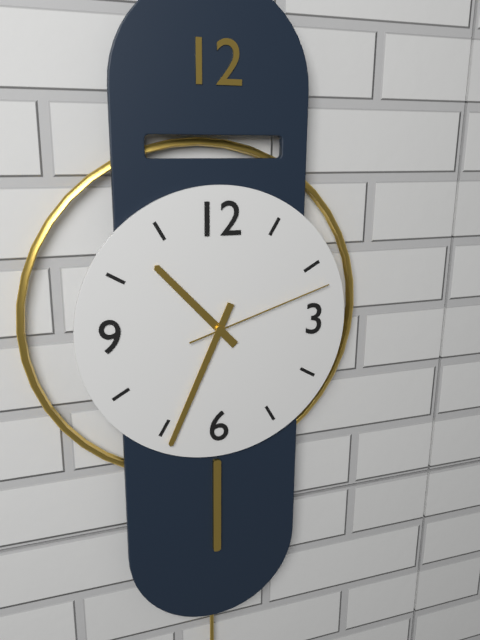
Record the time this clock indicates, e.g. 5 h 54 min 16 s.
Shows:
10 h 34 min 12 s
